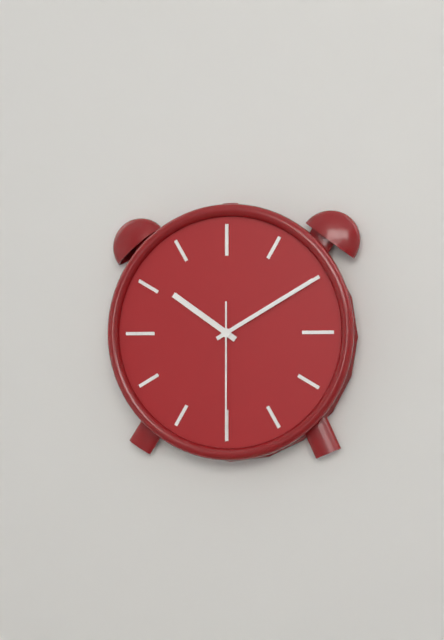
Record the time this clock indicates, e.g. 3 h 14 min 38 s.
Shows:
10 h 10 min 30 s
